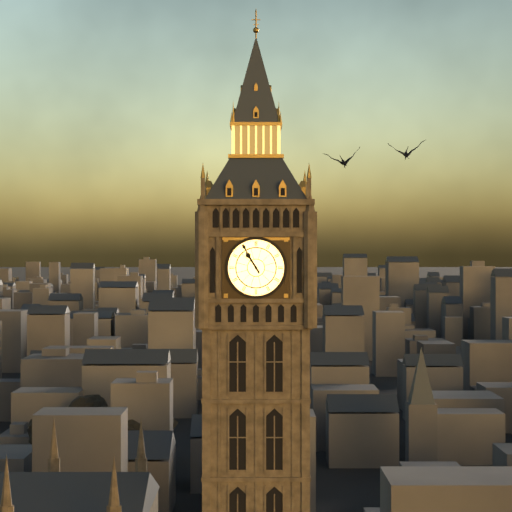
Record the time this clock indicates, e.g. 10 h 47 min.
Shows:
10 h 55 min
